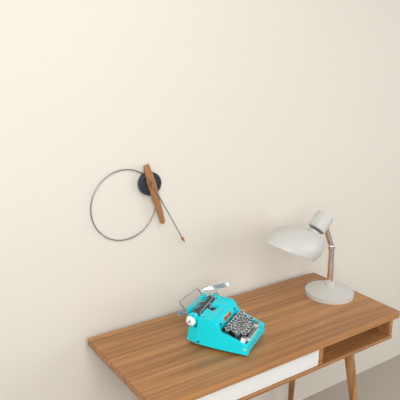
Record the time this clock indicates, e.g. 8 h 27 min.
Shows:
5 h 25 min
